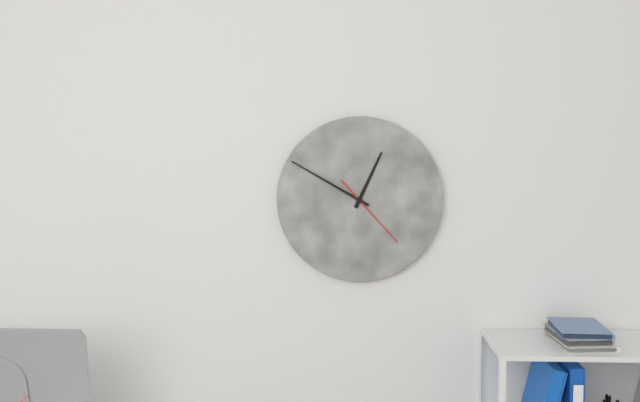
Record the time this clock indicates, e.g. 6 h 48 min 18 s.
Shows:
12 h 50 min 23 s
